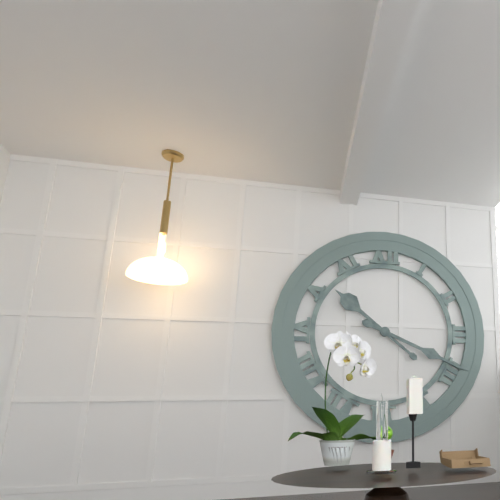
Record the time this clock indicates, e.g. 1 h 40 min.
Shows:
10 h 19 min
